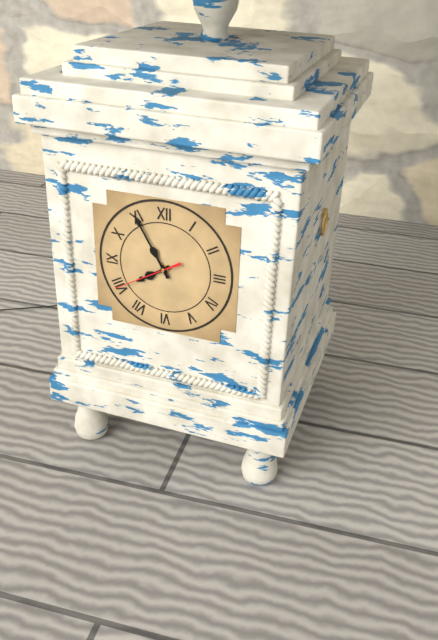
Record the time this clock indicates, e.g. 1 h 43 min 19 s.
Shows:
7 h 55 min 40 s
